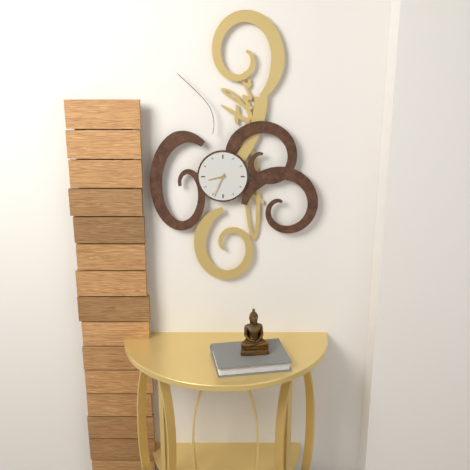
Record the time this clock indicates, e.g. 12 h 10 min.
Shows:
8 h 34 min
